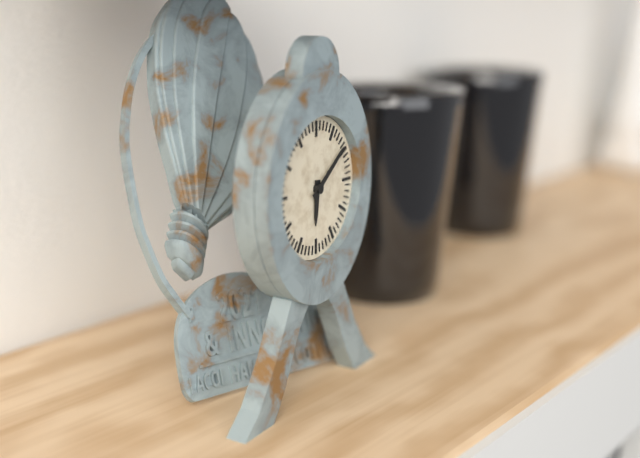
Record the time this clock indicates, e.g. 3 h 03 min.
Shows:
6 h 09 min
